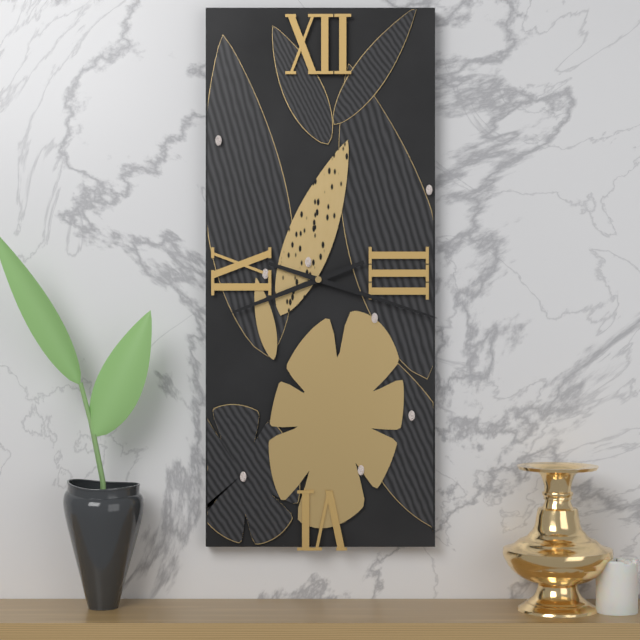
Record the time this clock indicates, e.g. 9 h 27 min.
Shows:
8 h 18 min
